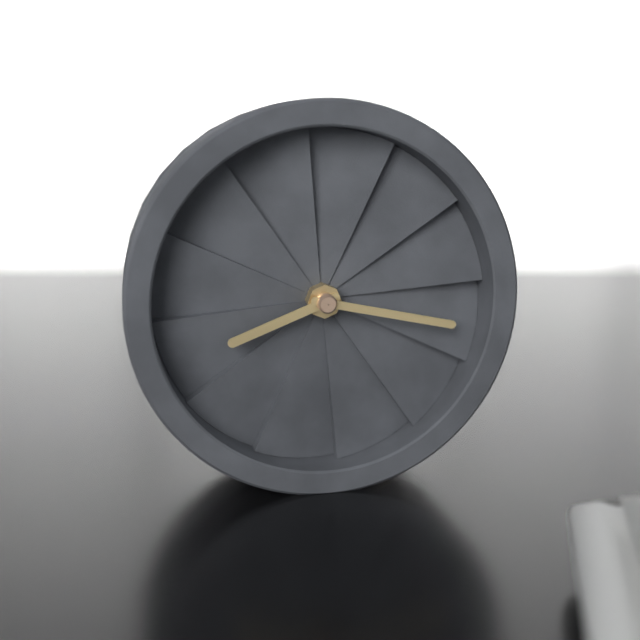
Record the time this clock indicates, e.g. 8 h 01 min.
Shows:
8 h 17 min
